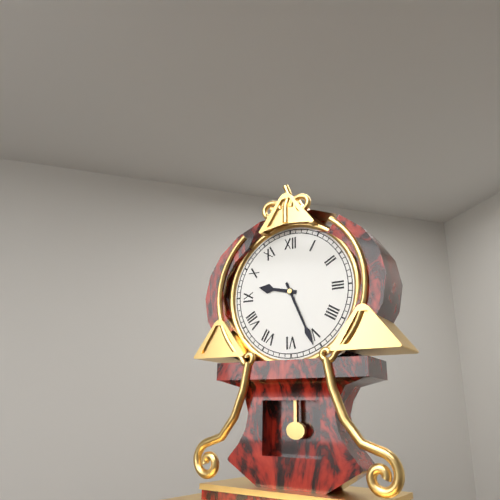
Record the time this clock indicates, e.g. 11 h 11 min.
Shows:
9 h 26 min
